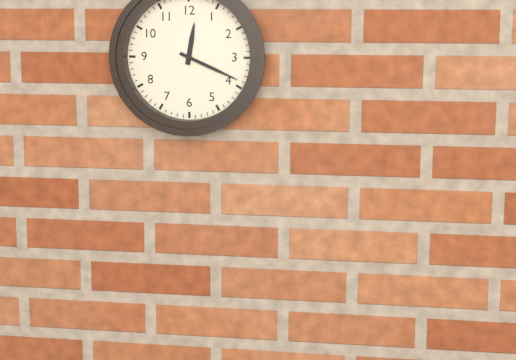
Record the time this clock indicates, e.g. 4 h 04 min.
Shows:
12 h 19 min
